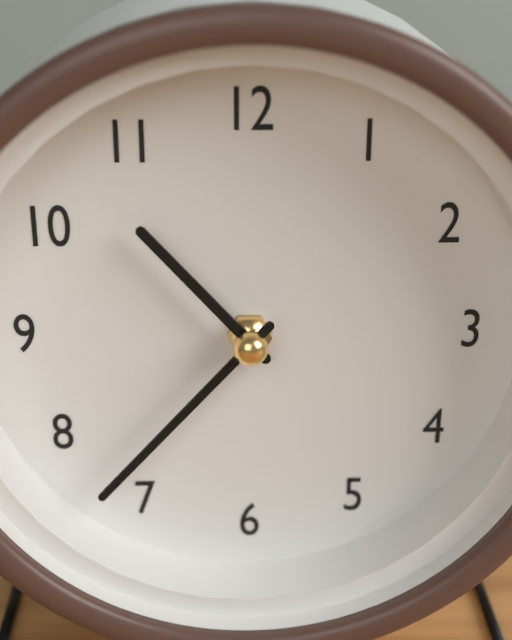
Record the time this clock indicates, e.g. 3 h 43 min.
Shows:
10 h 37 min
